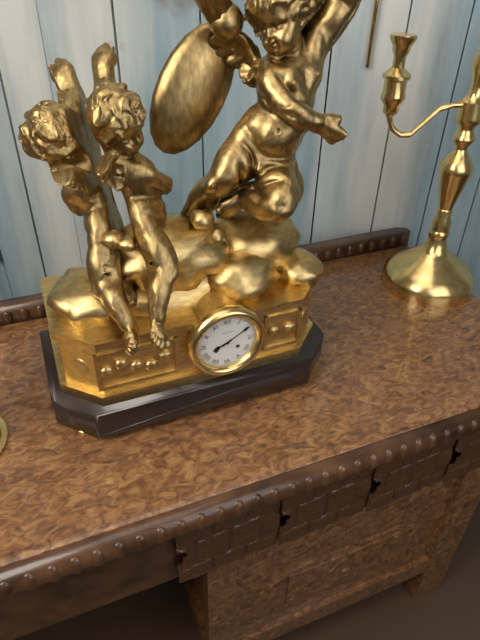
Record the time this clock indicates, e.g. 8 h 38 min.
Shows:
8 h 10 min
